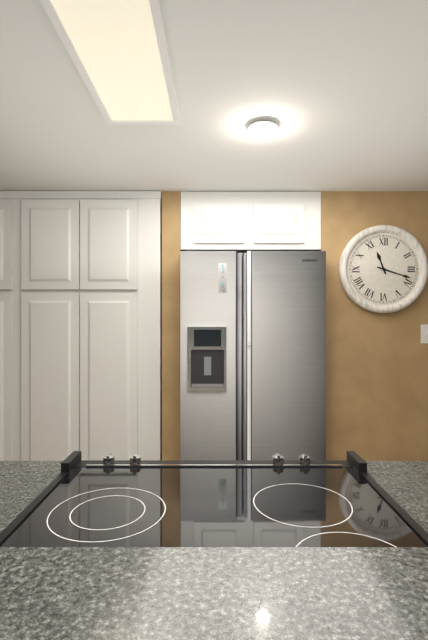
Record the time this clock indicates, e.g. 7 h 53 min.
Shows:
11 h 18 min
